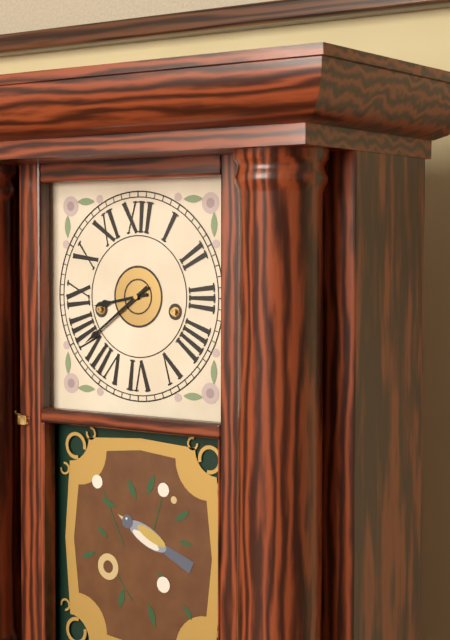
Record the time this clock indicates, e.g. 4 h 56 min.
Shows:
8 h 39 min
